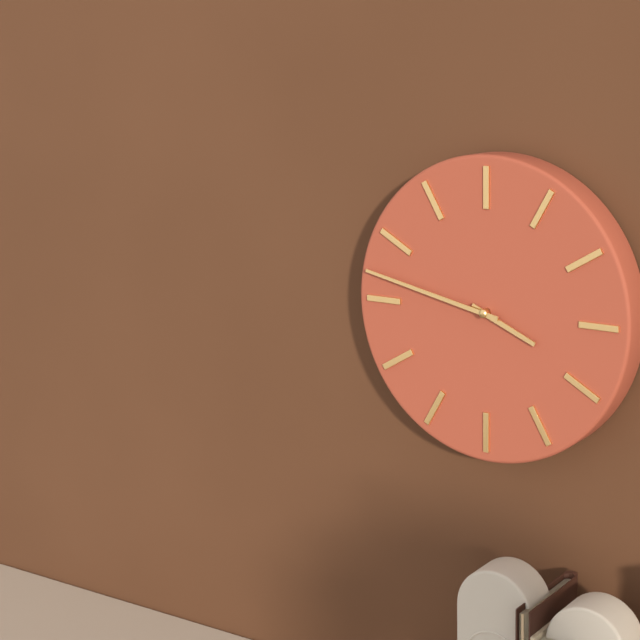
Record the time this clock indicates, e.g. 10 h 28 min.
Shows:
3 h 47 min
